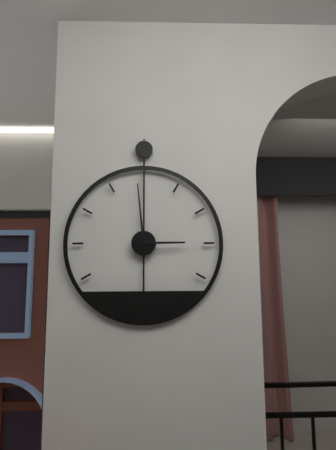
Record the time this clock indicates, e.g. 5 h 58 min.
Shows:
2 h 59 min
